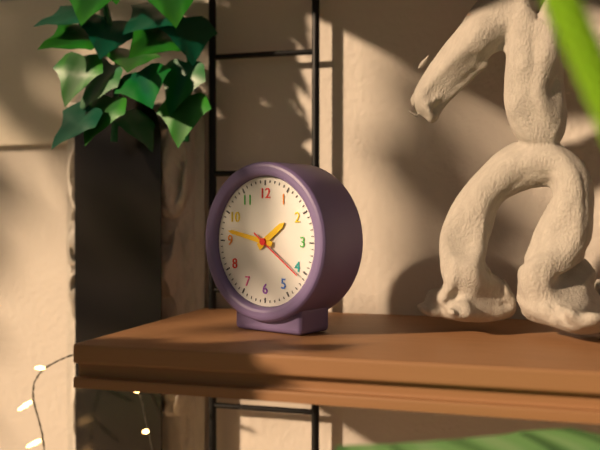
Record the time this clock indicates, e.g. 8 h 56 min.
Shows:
1 h 47 min
